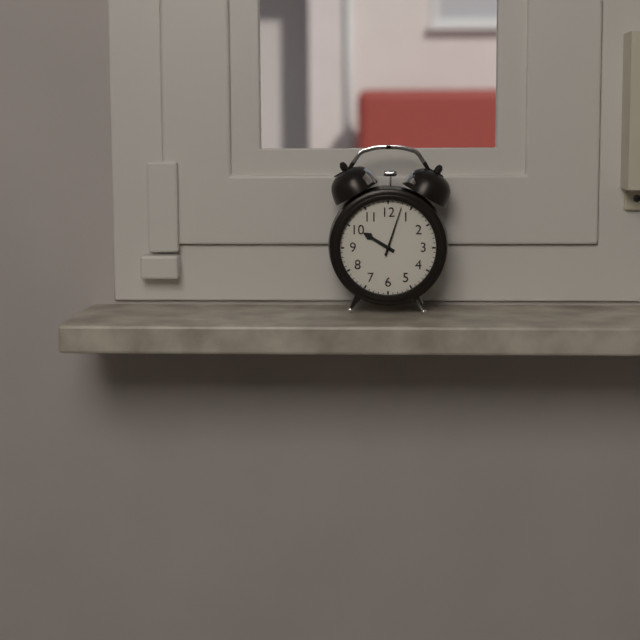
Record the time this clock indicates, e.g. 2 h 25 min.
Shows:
10 h 03 min
